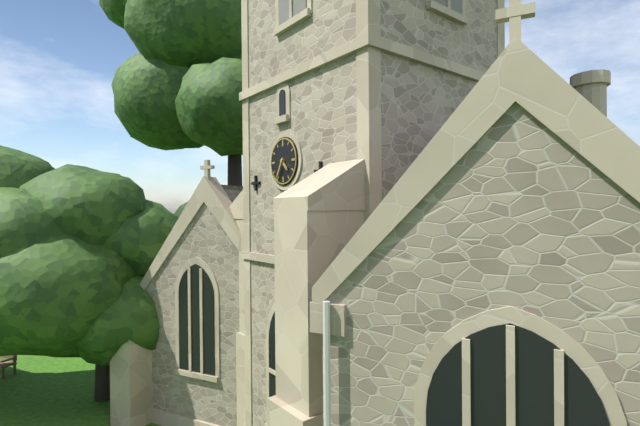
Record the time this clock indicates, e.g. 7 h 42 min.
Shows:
4 h 35 min
